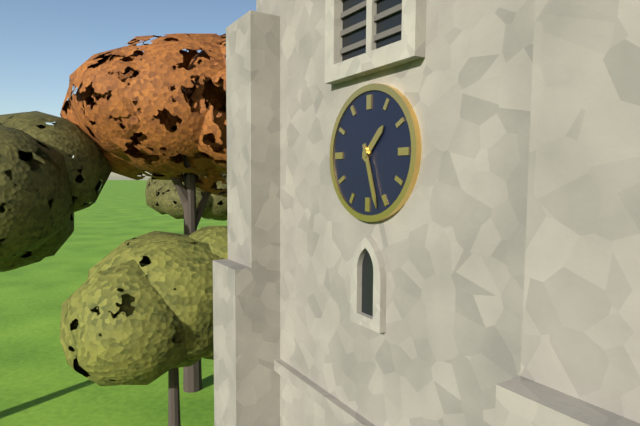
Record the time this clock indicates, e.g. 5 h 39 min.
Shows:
1 h 27 min
